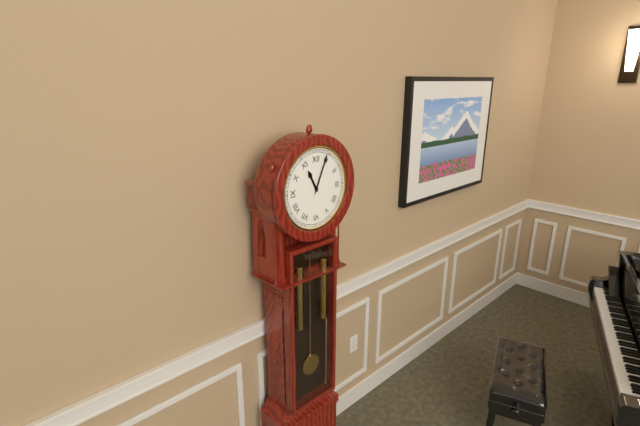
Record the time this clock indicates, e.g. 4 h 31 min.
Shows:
11 h 04 min
